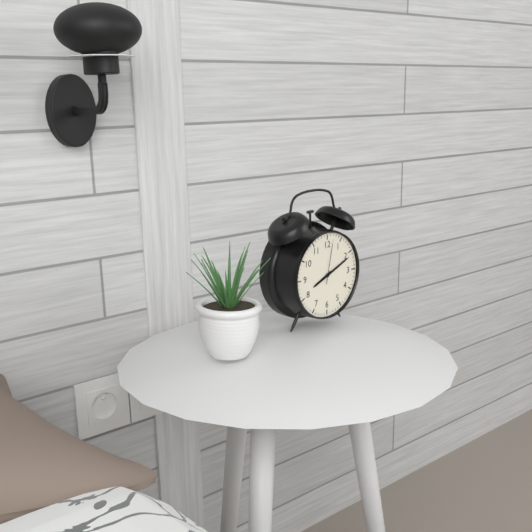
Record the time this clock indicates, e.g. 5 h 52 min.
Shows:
8 h 11 min
